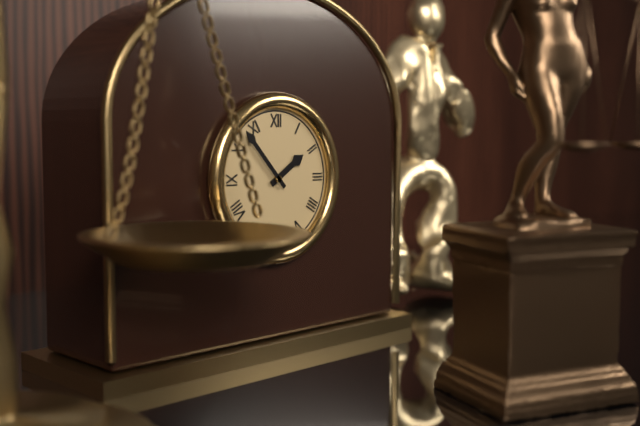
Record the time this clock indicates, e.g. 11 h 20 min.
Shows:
1 h 53 min
